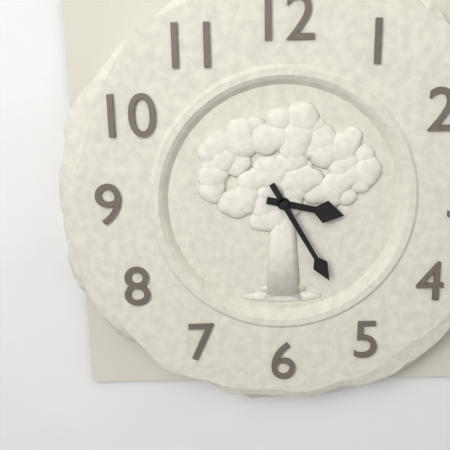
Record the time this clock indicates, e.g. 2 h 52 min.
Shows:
3 h 25 min
